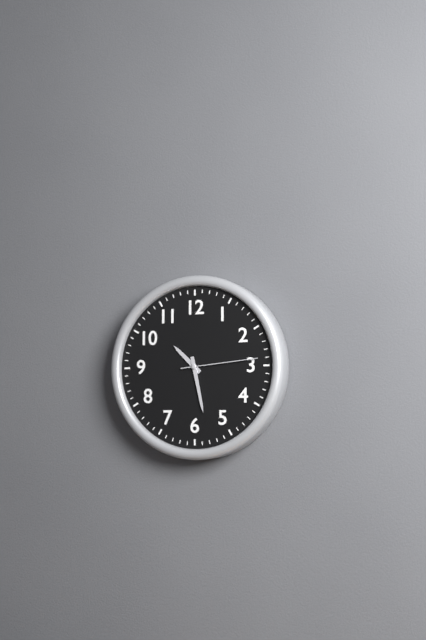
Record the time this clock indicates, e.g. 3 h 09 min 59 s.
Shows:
10 h 28 min 14 s
